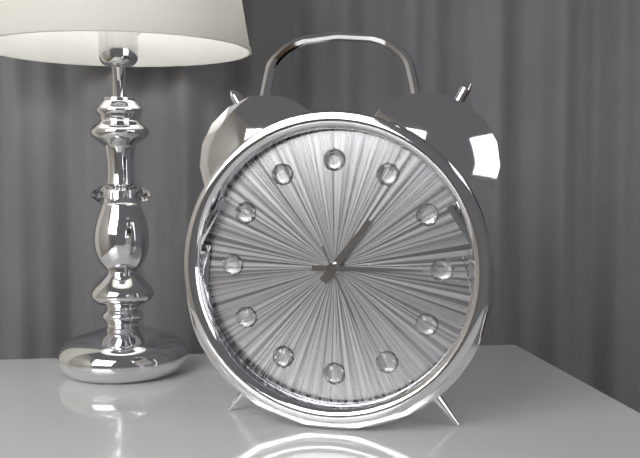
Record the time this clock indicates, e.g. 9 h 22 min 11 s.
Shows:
1 h 15 min 26 s
